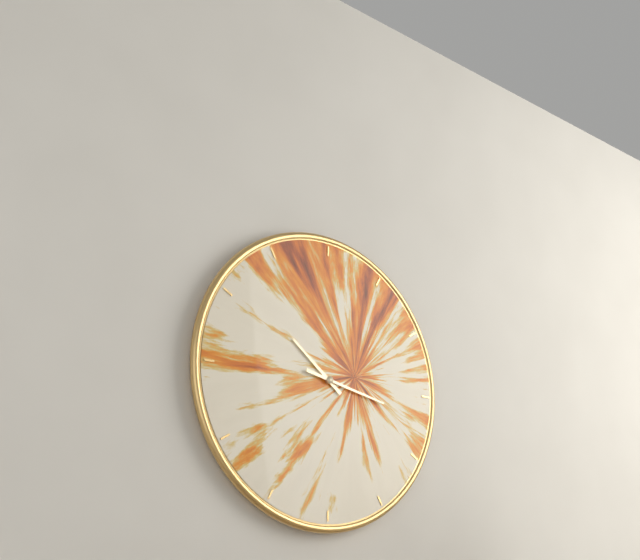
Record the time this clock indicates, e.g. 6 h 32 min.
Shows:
10 h 17 min
